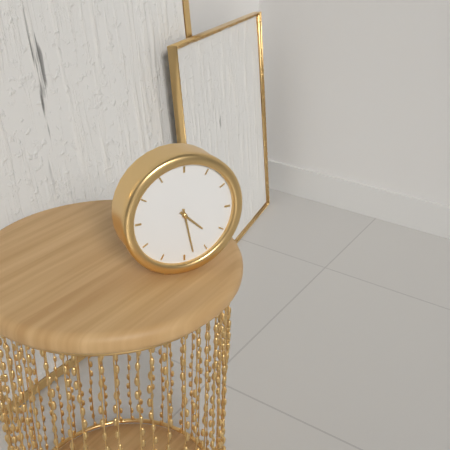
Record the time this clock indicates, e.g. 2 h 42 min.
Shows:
4 h 28 min
